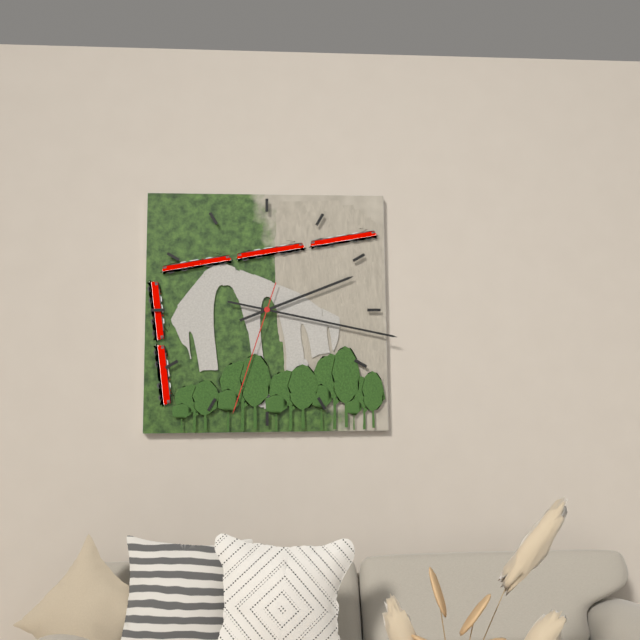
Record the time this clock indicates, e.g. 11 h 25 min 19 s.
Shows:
2 h 17 min 33 s
